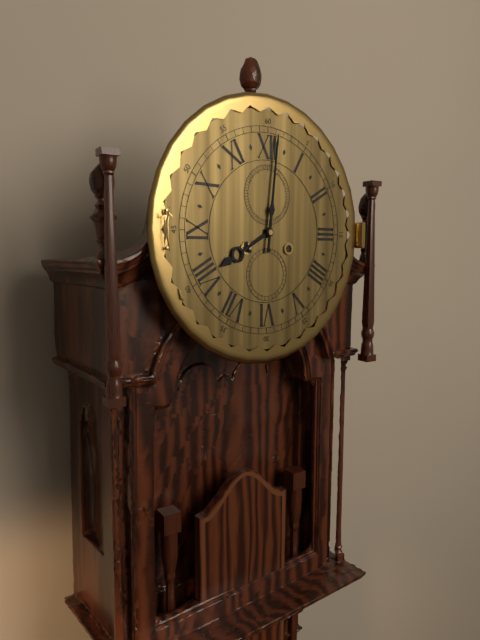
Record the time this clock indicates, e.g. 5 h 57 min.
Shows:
8 h 01 min
